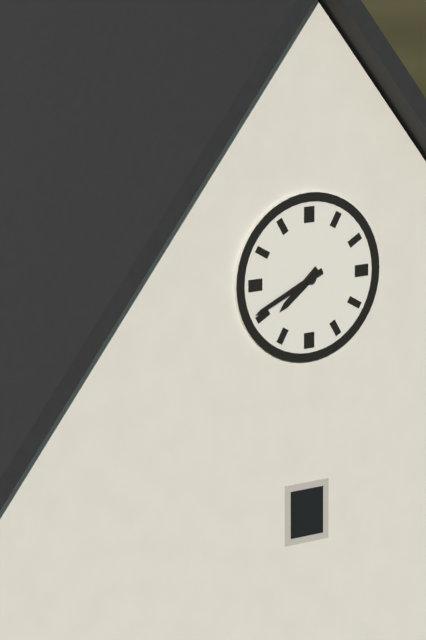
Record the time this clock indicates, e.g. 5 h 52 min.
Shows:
7 h 41 min
